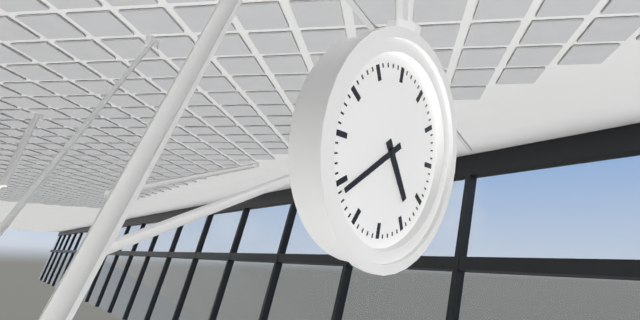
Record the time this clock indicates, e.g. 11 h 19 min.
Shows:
4 h 39 min
